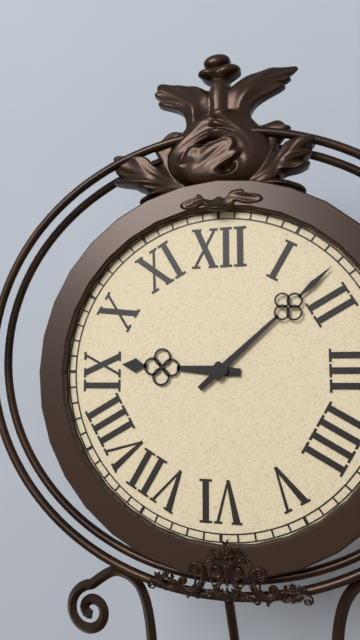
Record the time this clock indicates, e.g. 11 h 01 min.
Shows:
9 h 08 min
